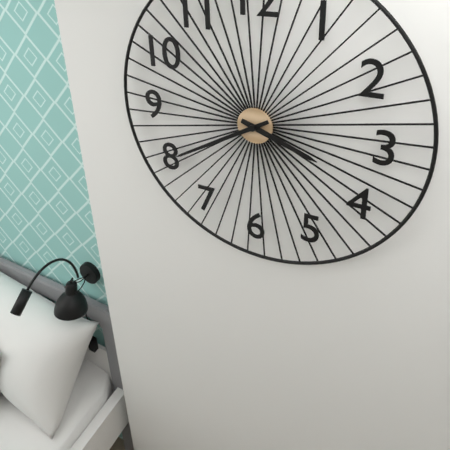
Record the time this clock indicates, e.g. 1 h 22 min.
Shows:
3 h 40 min
